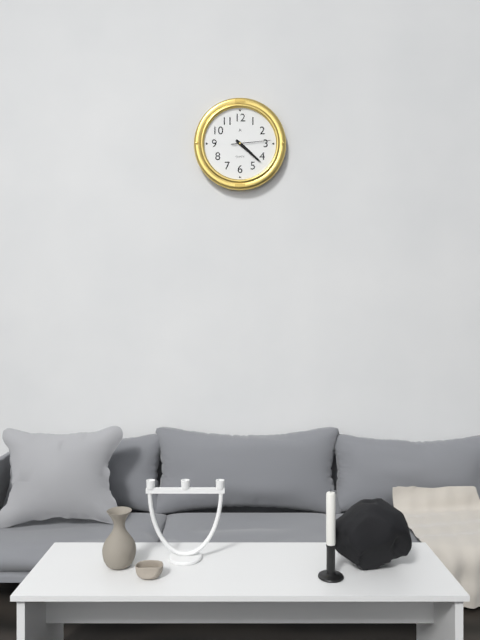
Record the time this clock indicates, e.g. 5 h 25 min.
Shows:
4 h 22 min
